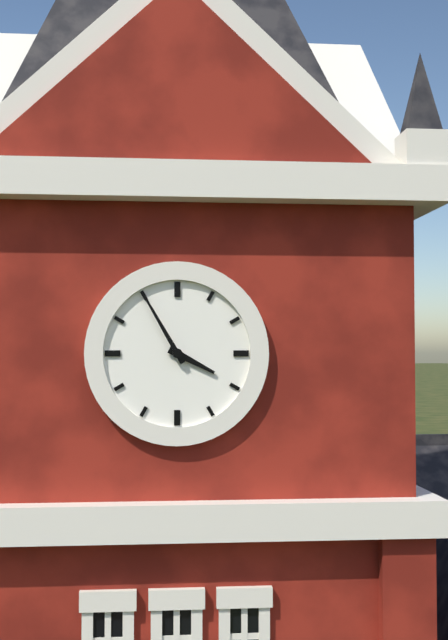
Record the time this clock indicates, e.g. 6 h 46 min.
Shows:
3 h 55 min
